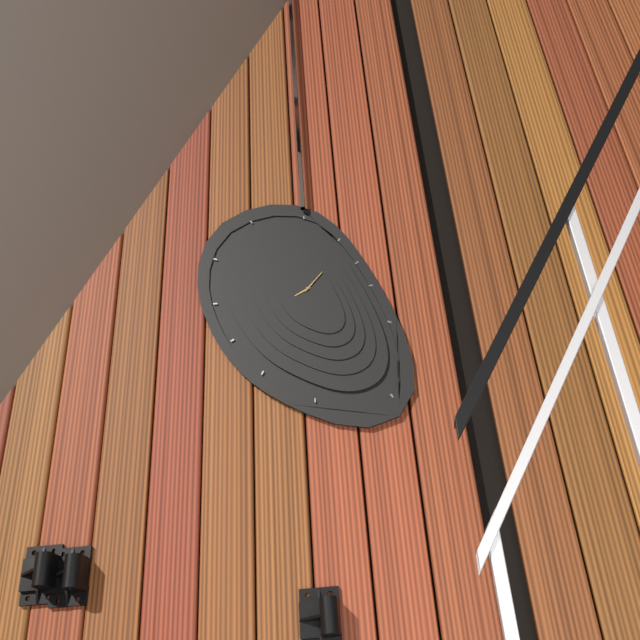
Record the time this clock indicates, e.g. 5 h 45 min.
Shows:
8 h 07 min
